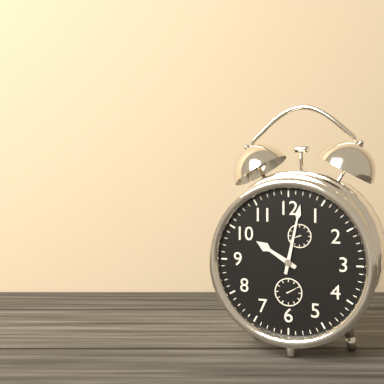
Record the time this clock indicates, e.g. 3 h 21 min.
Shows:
10 h 02 min
